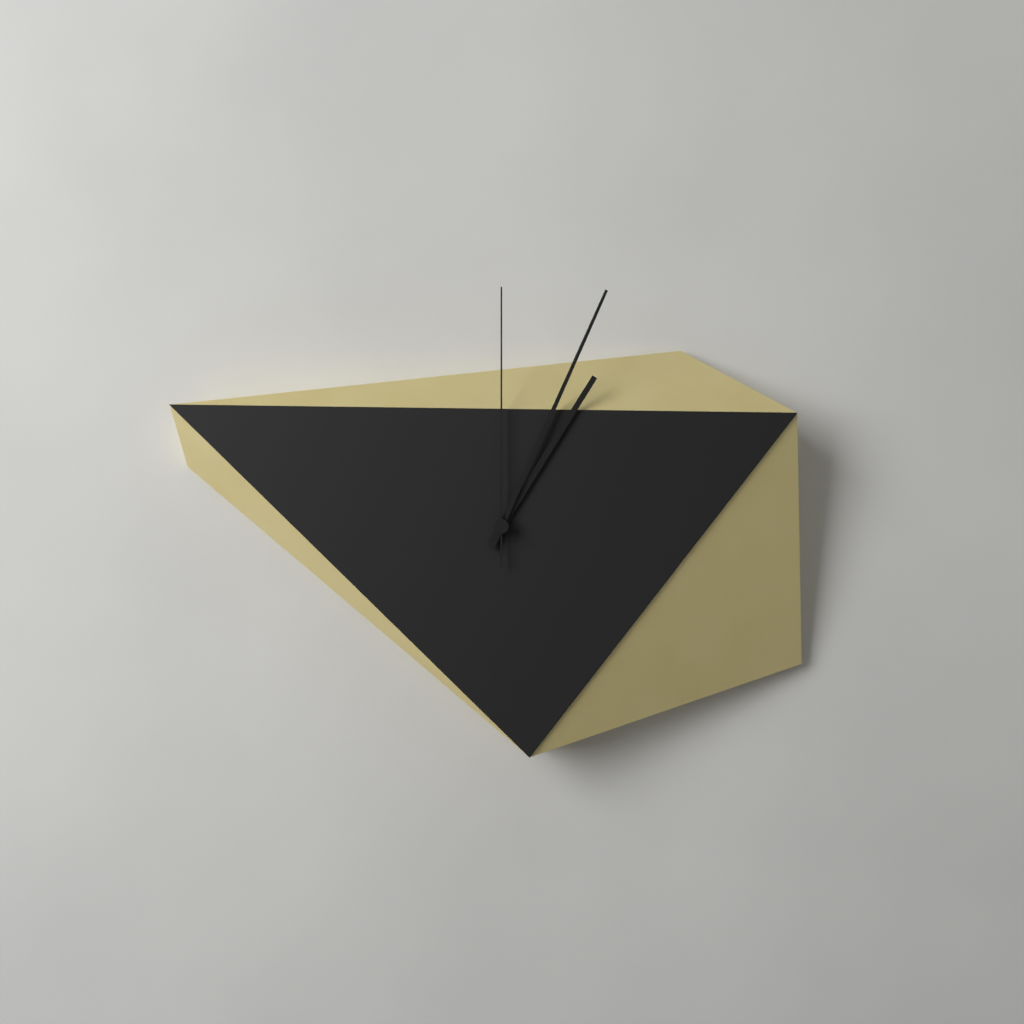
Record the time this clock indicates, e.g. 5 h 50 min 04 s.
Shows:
1 h 04 min 00 s
